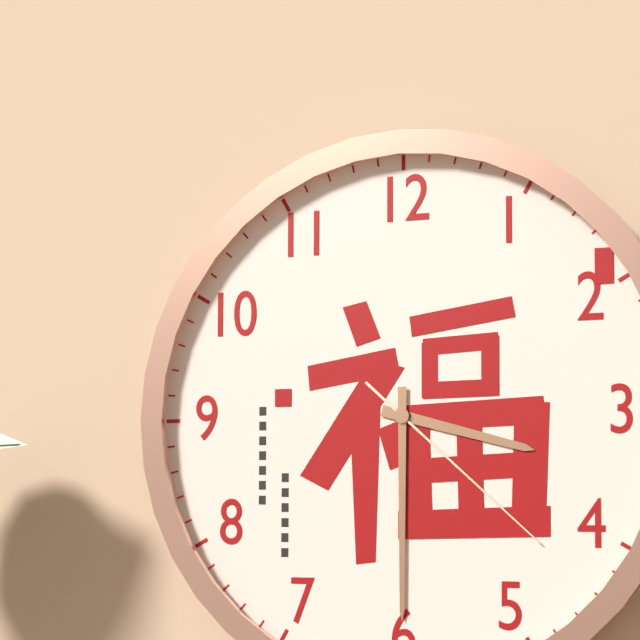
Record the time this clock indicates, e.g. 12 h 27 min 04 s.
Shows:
3 h 30 min 22 s
